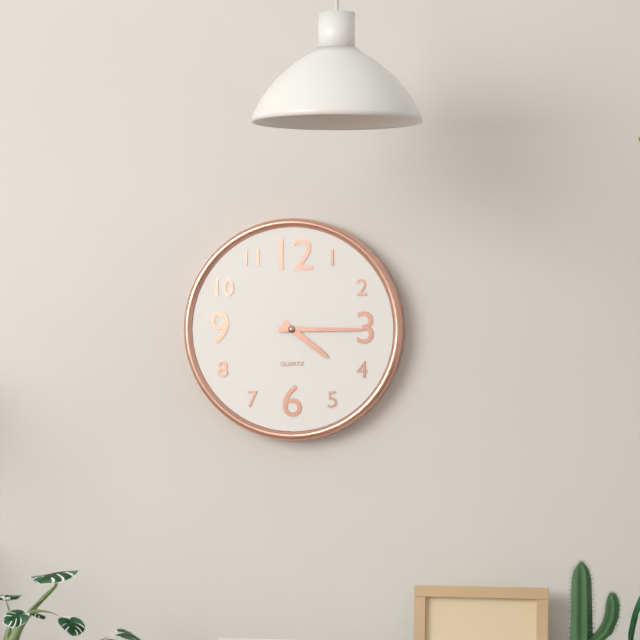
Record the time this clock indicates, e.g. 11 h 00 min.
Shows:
4 h 15 min
